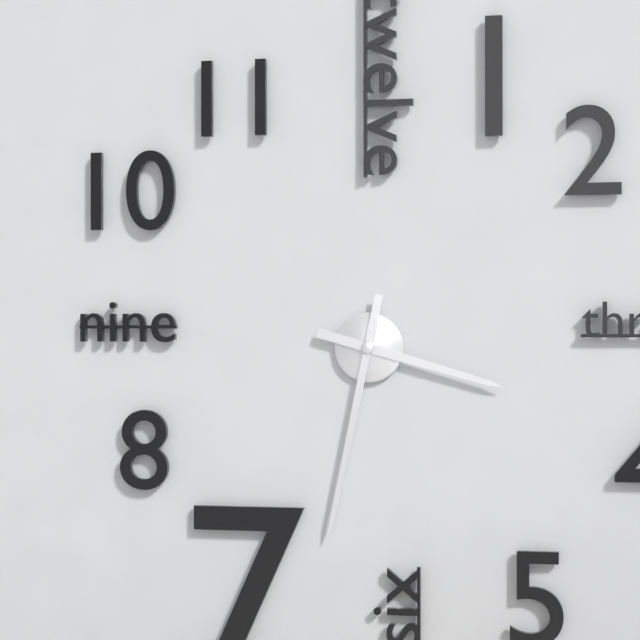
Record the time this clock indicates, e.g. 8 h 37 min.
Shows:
3 h 32 min
